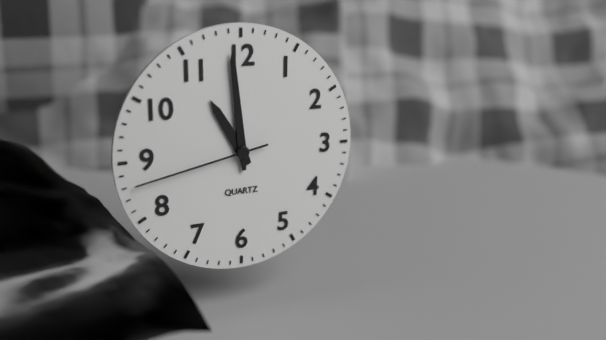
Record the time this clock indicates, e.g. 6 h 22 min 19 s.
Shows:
10 h 59 min 43 s
